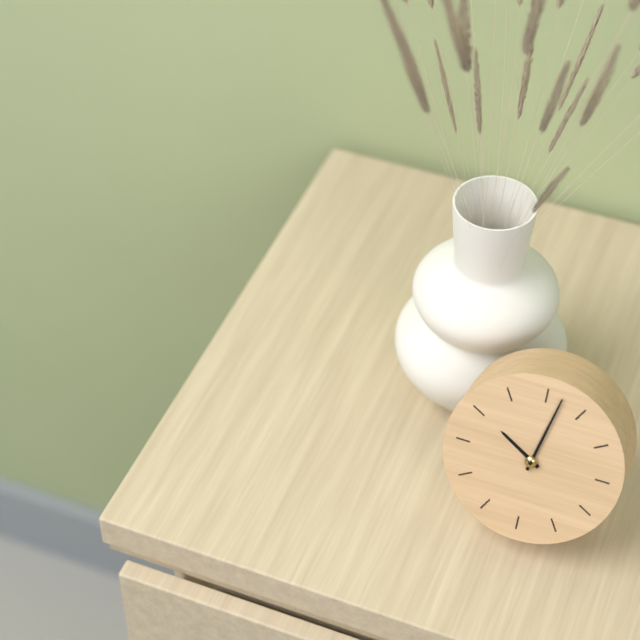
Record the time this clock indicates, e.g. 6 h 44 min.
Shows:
10 h 02 min
